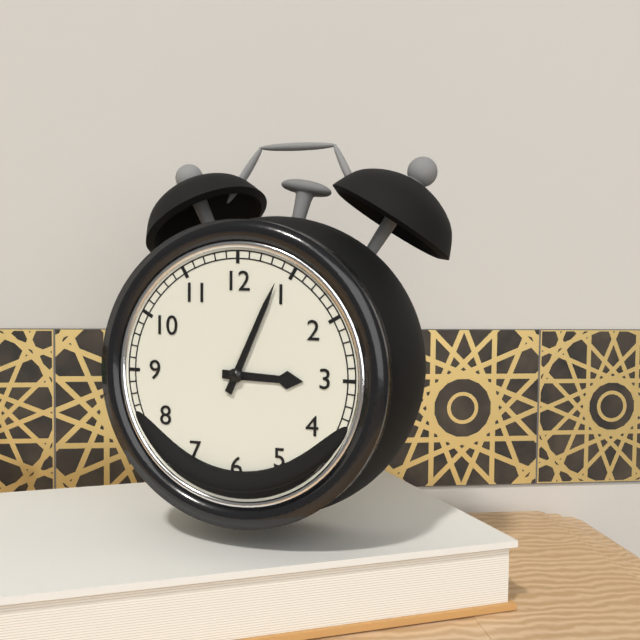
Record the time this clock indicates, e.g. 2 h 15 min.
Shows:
3 h 04 min
